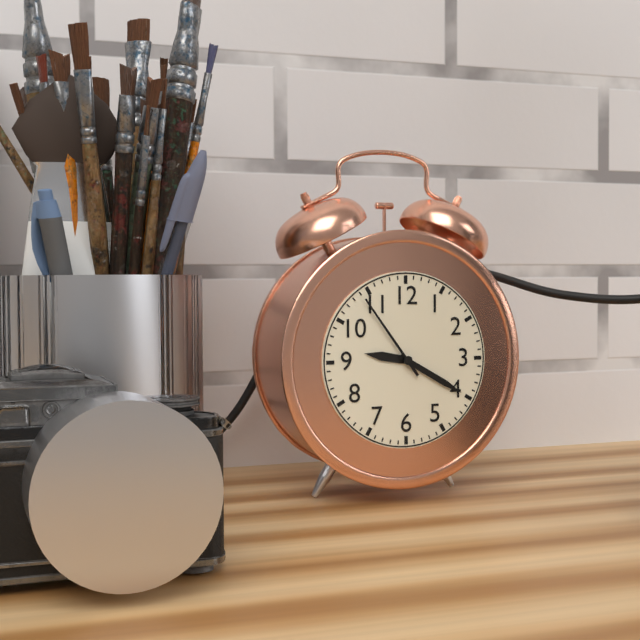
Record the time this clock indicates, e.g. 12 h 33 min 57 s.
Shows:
9 h 20 min 54 s
